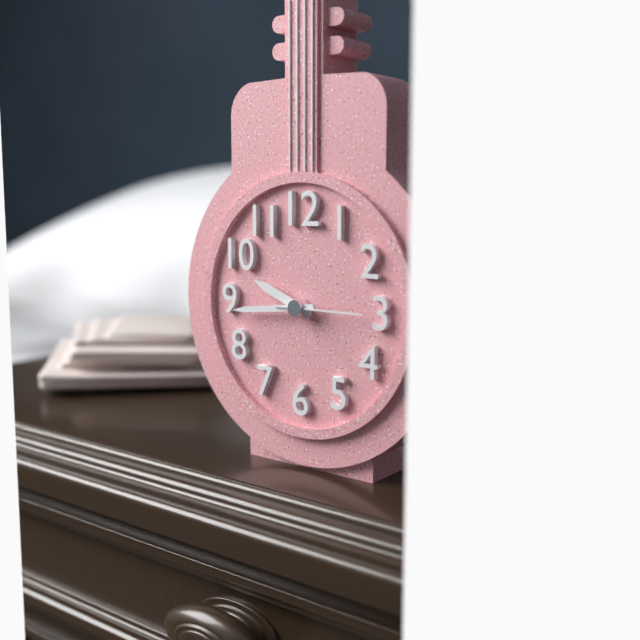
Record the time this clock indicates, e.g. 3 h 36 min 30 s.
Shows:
9 h 44 min 15 s
